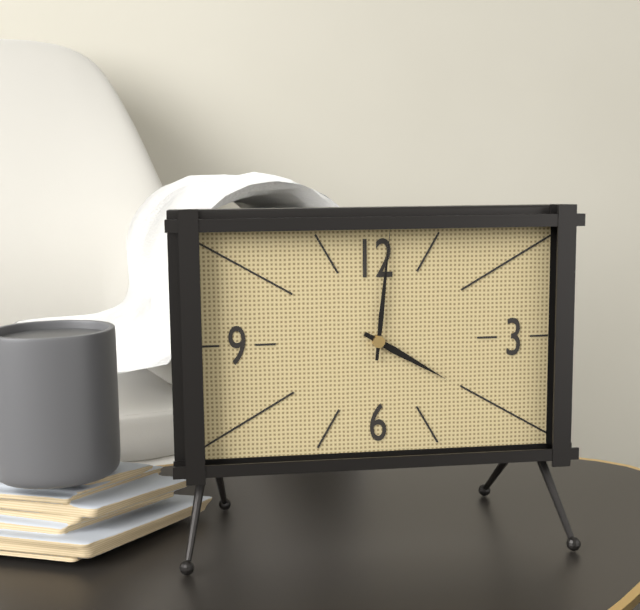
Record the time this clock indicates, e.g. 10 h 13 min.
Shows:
4 h 01 min
